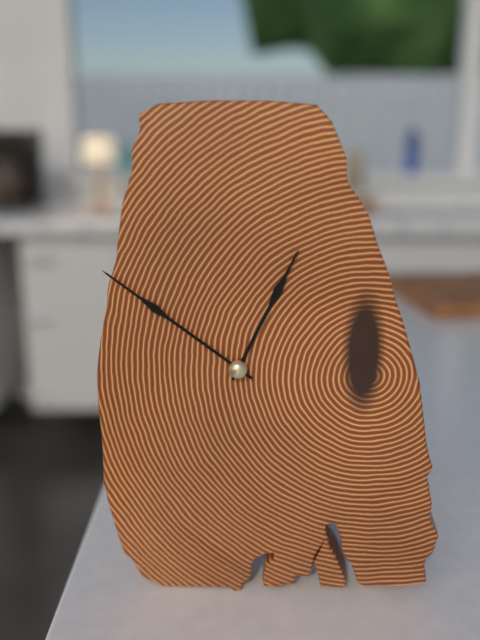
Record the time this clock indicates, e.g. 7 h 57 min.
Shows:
12 h 51 min
